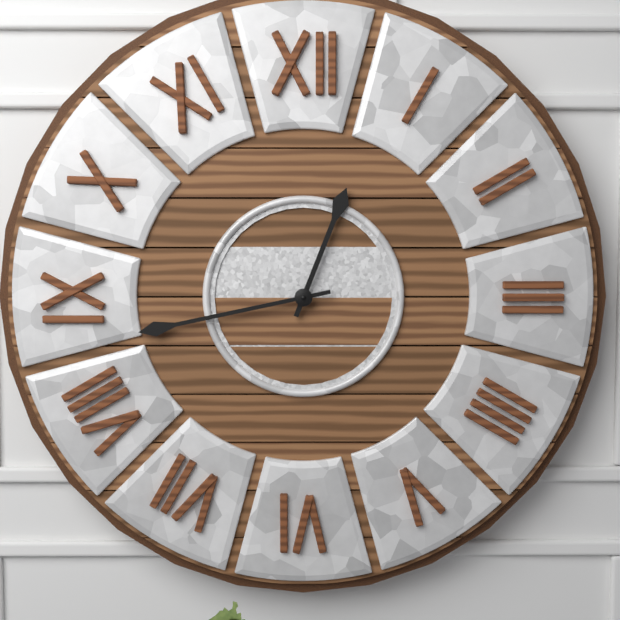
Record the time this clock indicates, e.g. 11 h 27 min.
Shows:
12 h 43 min
